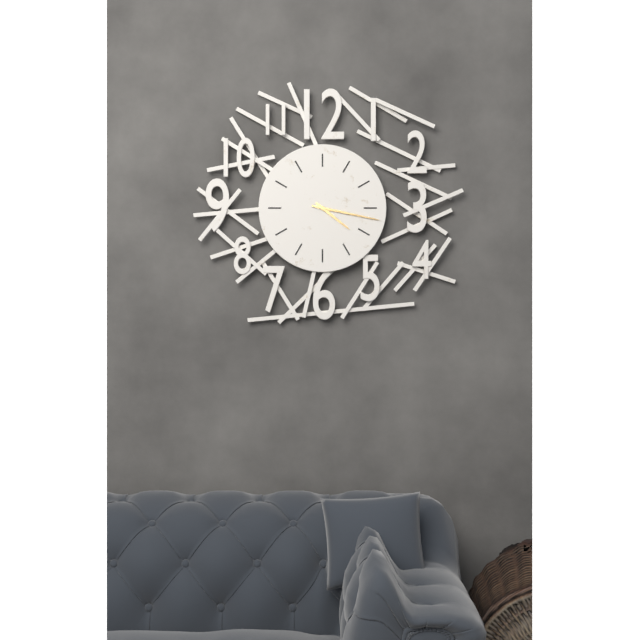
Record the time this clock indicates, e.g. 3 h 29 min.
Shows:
4 h 17 min
